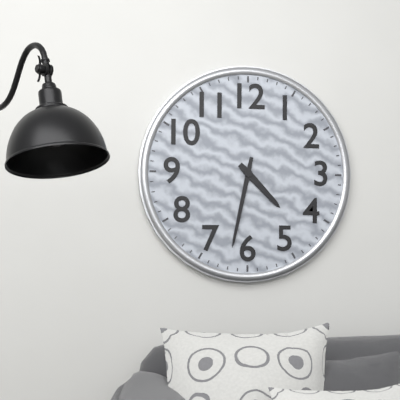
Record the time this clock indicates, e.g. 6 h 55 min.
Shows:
4 h 32 min
